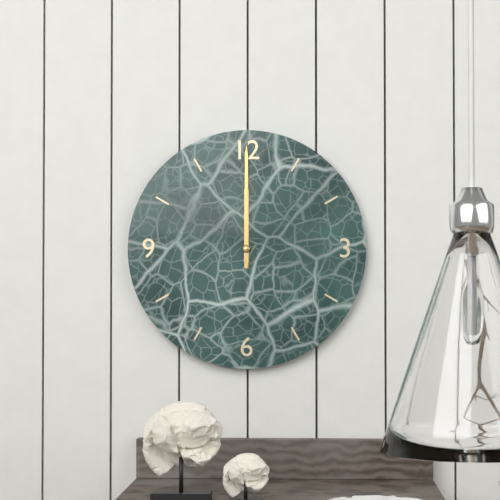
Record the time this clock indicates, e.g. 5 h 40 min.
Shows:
12 h 00 min
